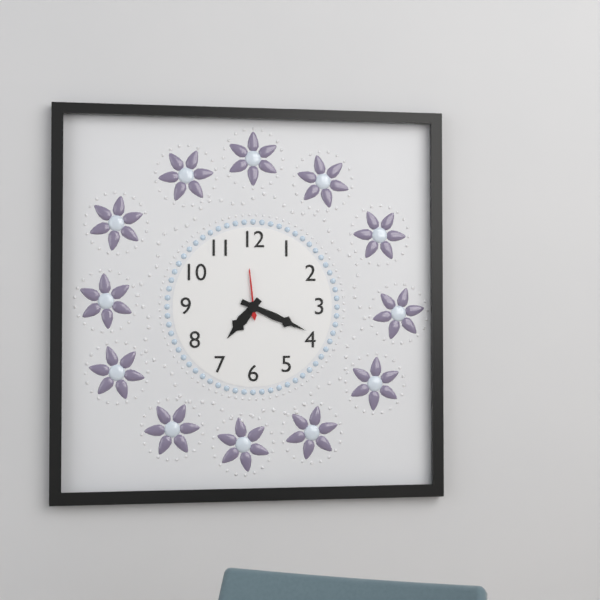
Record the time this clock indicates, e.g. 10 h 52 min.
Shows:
7 h 19 min
